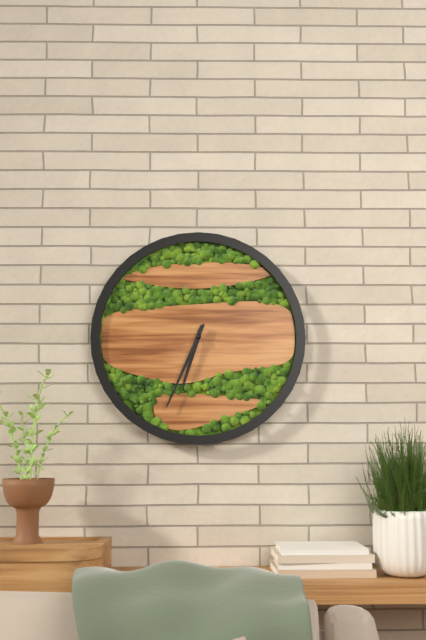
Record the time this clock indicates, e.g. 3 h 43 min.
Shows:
6 h 34 min
